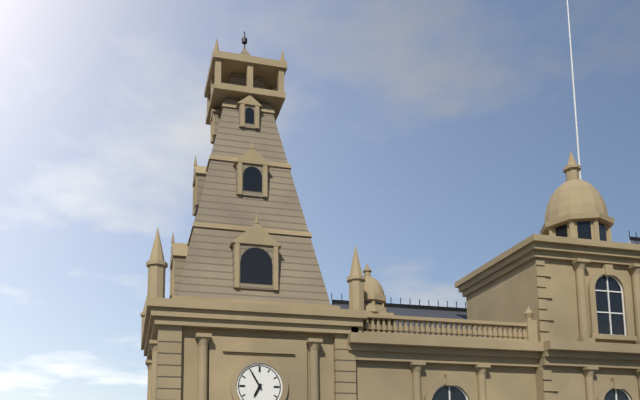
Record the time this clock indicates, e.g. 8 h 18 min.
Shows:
6 h 55 min
